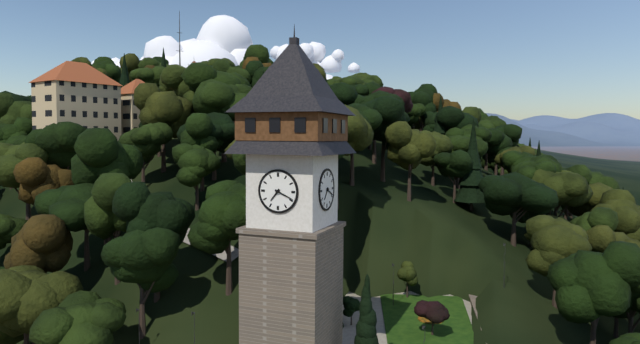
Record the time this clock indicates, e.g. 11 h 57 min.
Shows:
7 h 19 min
